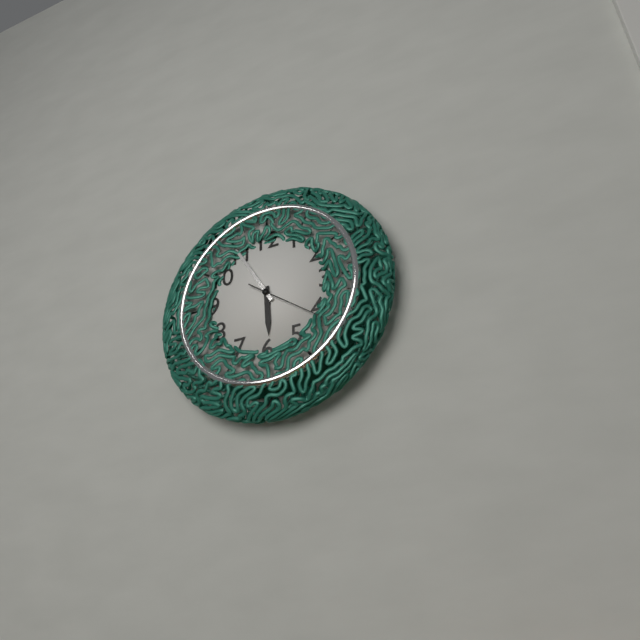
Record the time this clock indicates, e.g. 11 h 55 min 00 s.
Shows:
5 h 55 min 21 s
